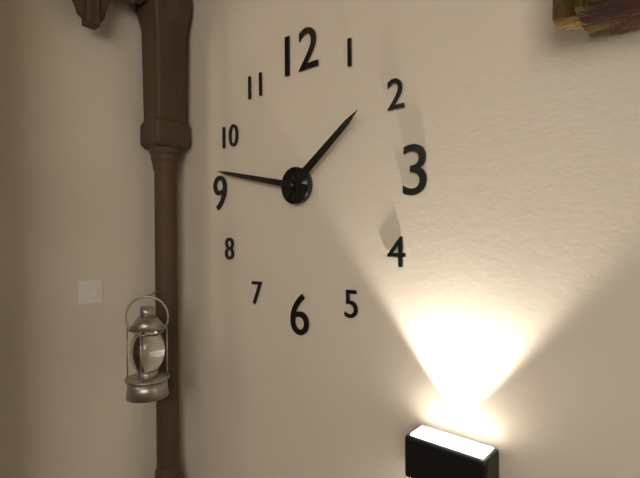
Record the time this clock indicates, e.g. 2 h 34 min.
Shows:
1 h 47 min
